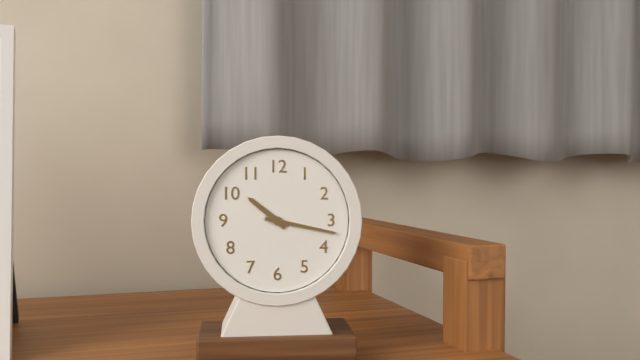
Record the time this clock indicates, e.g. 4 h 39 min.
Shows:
10 h 17 min
